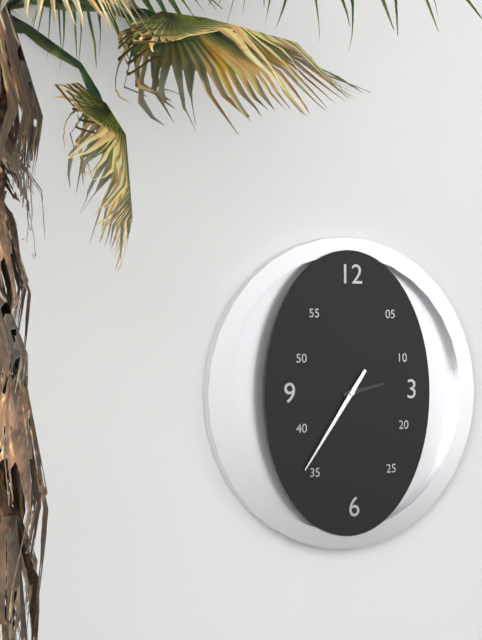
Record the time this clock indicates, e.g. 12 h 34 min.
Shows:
2 h 36 min
